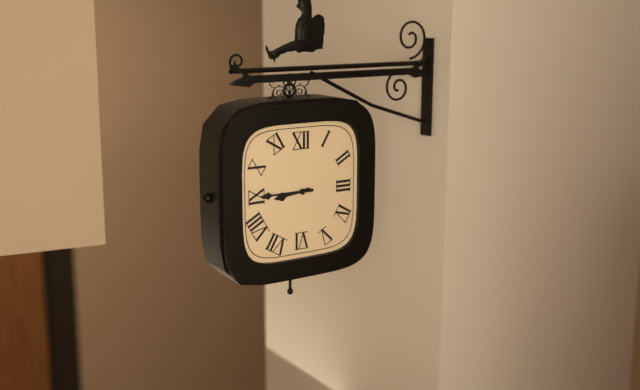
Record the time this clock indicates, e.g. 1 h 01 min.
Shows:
8 h 45 min
